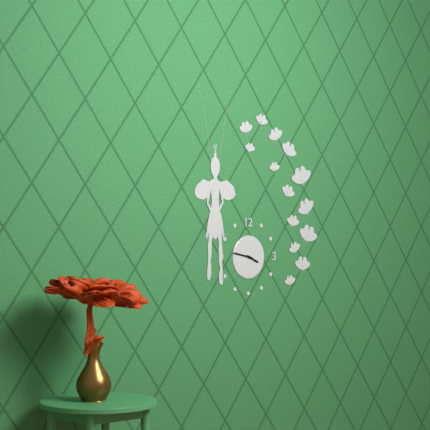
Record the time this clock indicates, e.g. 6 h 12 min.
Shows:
3 h 47 min
